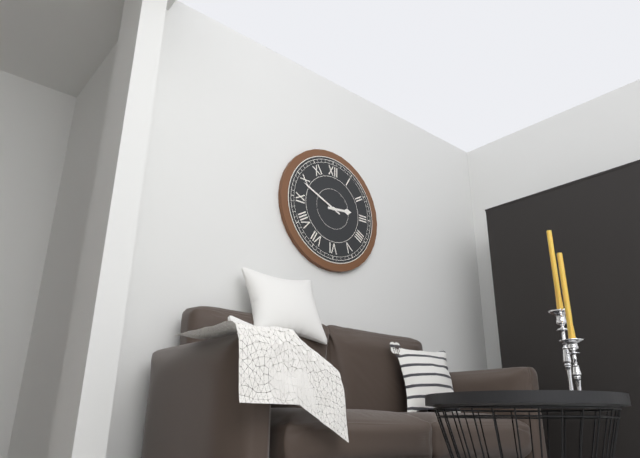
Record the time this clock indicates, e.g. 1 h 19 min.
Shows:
2 h 49 min
